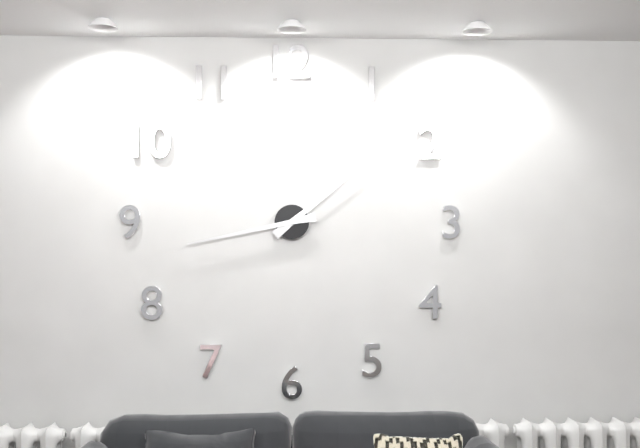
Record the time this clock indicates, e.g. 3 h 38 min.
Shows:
1 h 43 min
